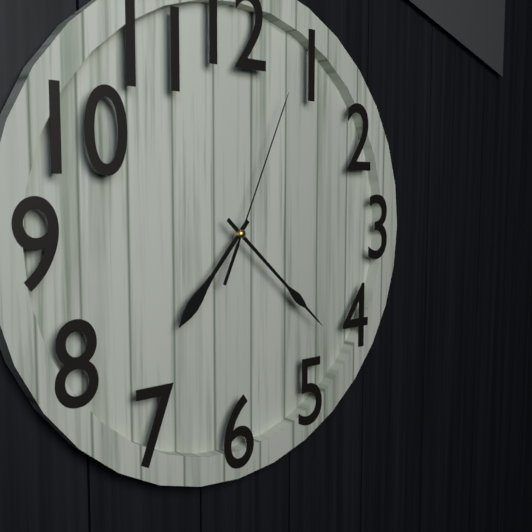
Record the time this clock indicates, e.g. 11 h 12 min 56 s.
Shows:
7 h 22 min 04 s
